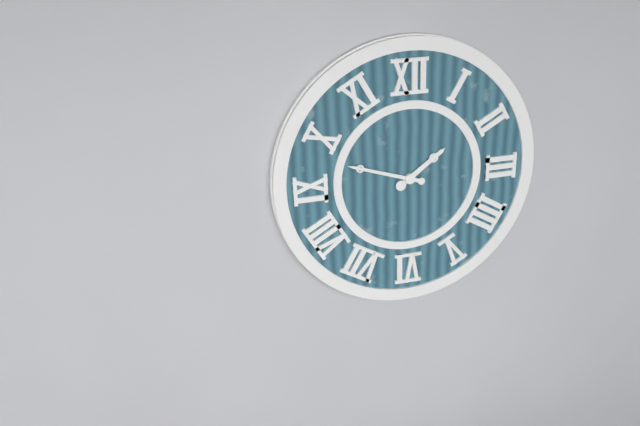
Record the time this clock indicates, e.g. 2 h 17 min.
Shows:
1 h 48 min
